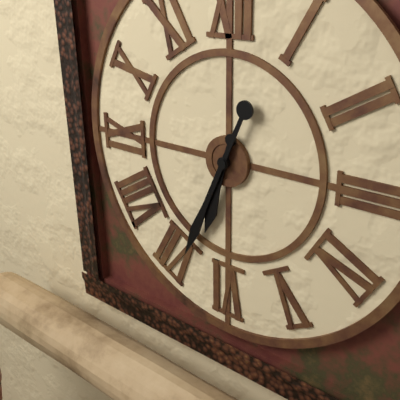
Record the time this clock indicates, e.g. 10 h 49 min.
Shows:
6 h 34 min
